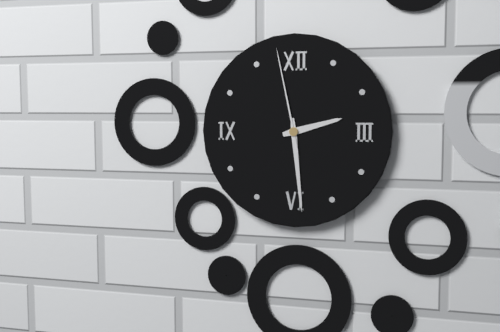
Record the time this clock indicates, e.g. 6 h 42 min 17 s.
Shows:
2 h 29 min 58 s
